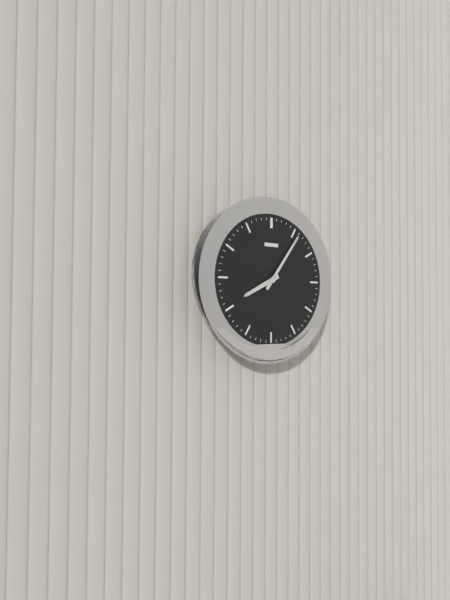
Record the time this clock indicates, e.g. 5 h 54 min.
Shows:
8 h 06 min
